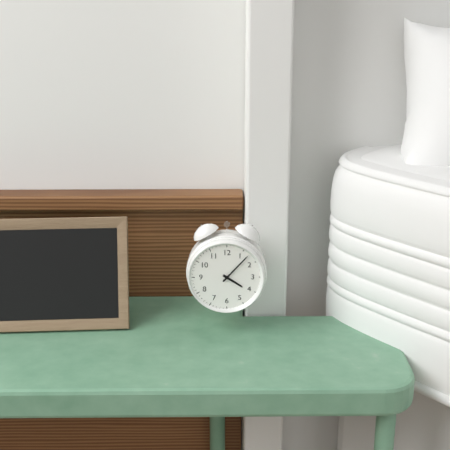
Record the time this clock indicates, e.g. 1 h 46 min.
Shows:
4 h 07 min
